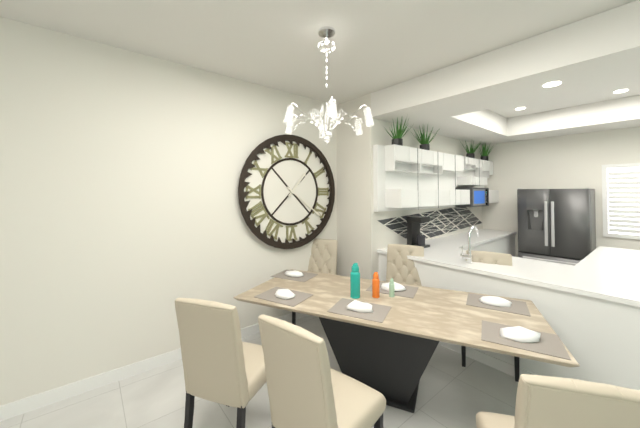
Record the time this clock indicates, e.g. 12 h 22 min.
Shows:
1 h 21 min
